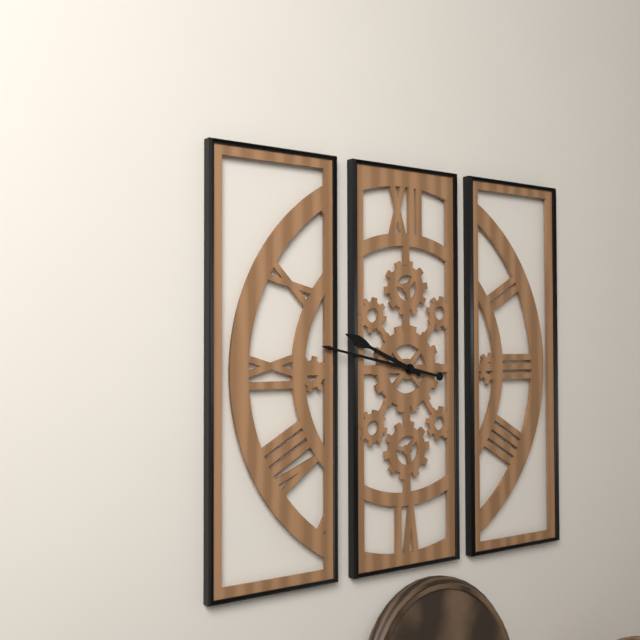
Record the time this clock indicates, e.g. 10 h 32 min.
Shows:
9 h 47 min
